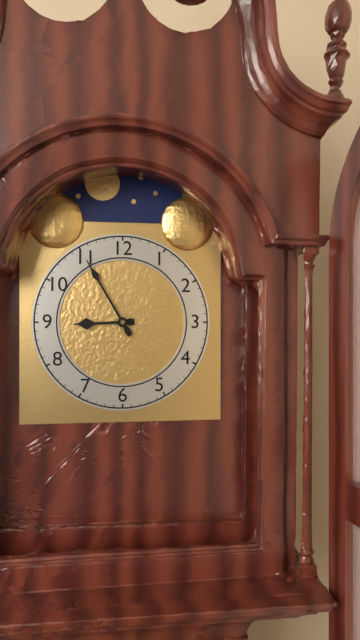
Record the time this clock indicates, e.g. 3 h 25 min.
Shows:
8 h 55 min
